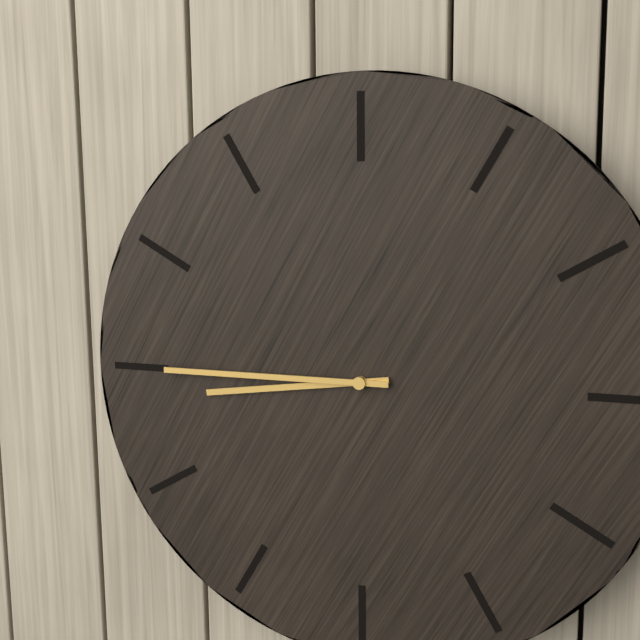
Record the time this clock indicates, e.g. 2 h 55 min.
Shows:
8 h 45 min
